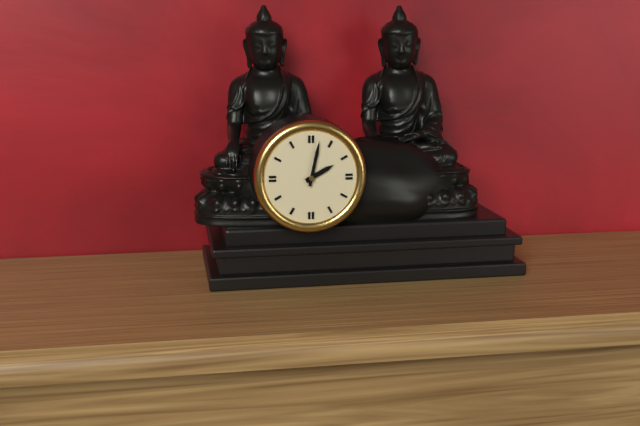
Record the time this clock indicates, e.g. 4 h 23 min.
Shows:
2 h 02 min
